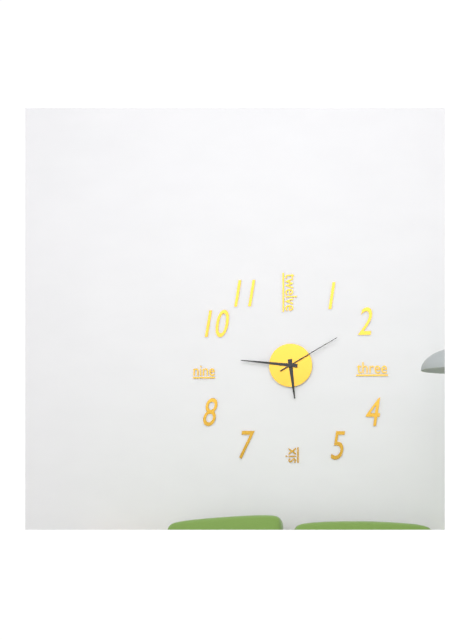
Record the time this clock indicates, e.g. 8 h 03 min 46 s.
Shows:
5 h 46 min 10 s
